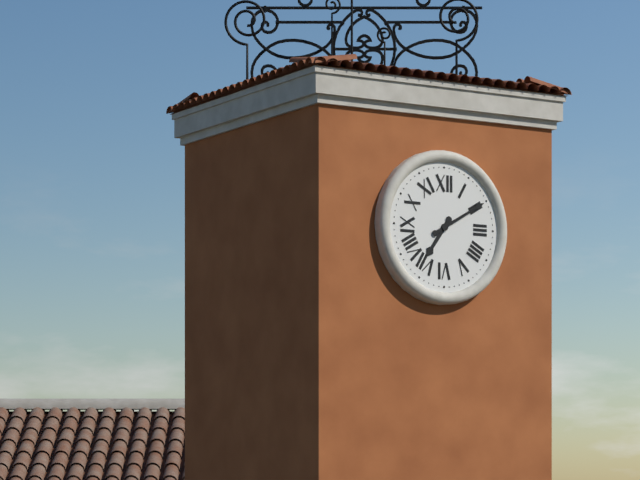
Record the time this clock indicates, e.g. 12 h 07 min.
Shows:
7 h 10 min
